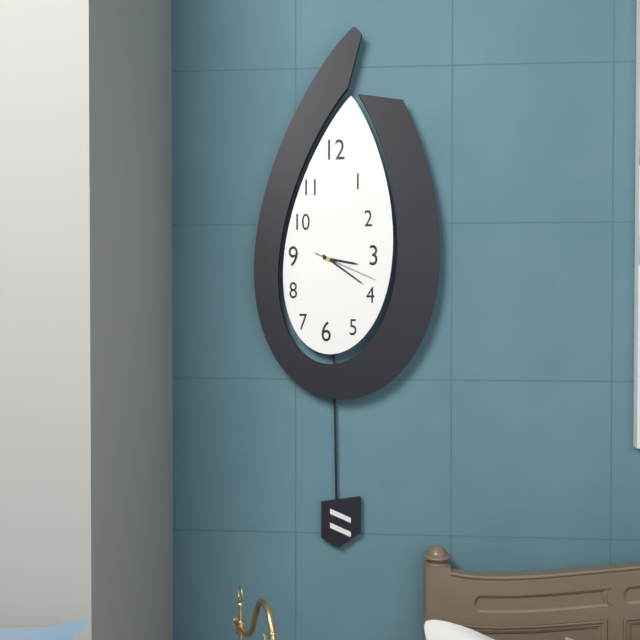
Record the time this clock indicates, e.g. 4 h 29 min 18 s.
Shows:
3 h 21 min 19 s
